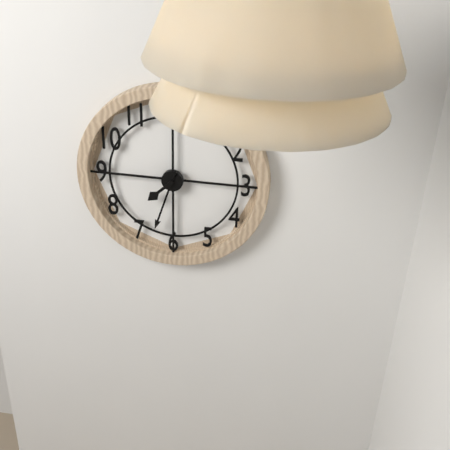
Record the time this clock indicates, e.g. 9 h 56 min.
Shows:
7 h 33 min
